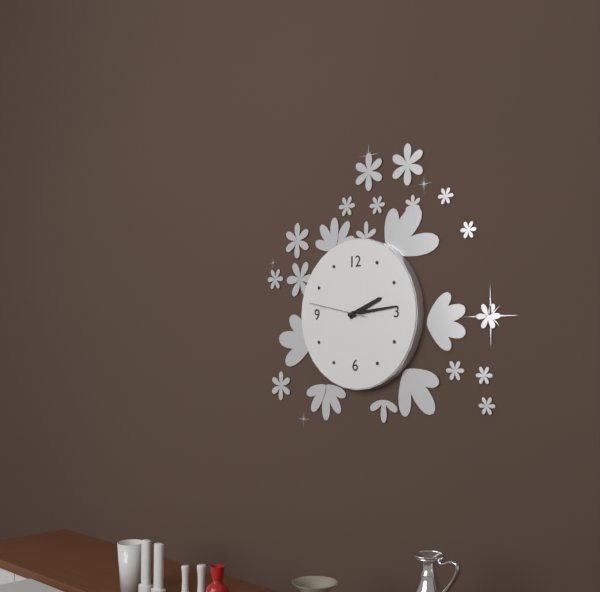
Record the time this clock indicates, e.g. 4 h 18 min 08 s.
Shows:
2 h 14 min 47 s
